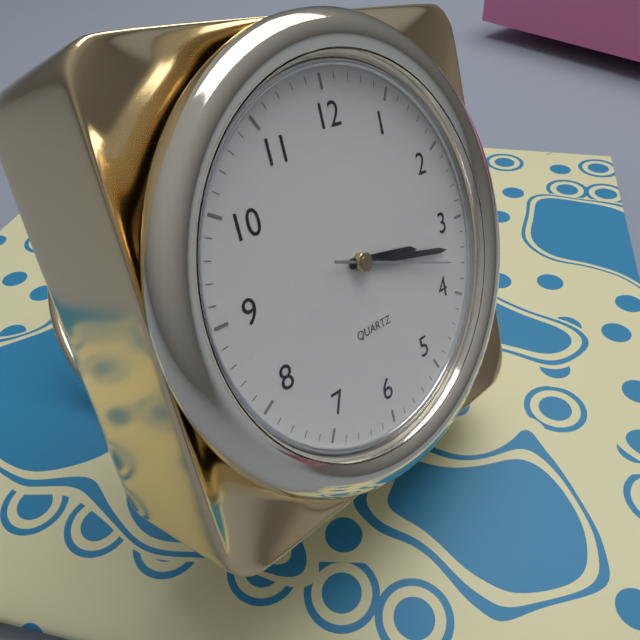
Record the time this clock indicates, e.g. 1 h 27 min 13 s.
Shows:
3 h 17 min 18 s
